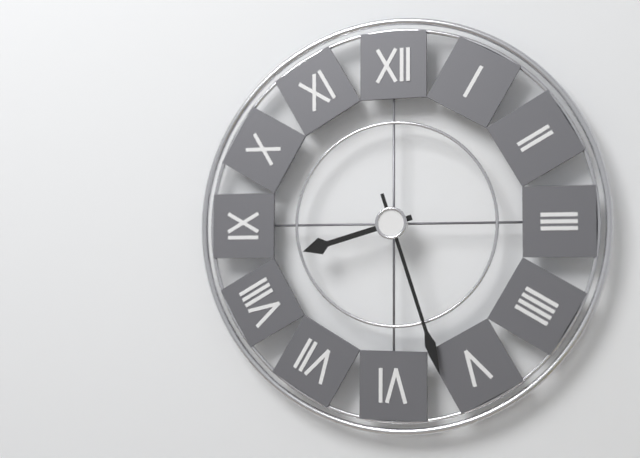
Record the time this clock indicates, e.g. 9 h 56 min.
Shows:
8 h 27 min
